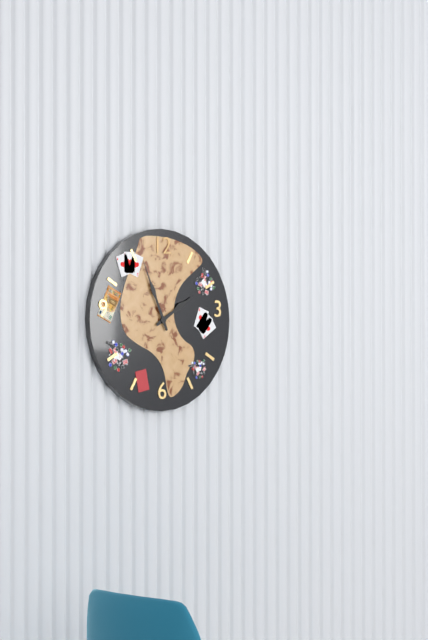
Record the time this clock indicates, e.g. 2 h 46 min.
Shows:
1 h 56 min
